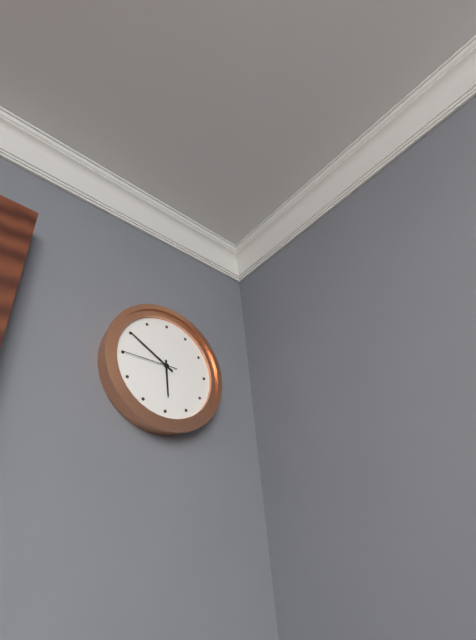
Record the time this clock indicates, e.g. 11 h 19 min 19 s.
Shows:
5 h 50 min 45 s
